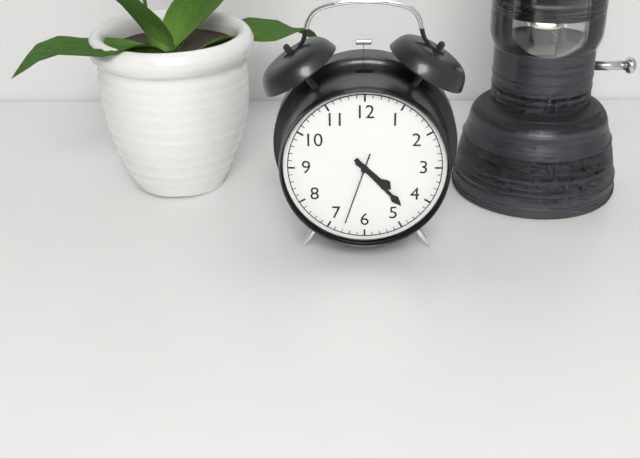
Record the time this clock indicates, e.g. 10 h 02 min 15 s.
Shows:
4 h 23 min 33 s
